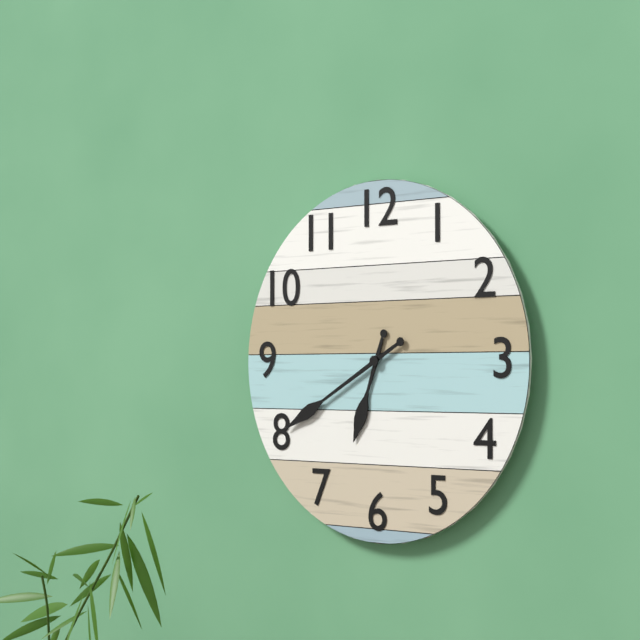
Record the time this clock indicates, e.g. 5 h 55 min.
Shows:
6 h 40 min
